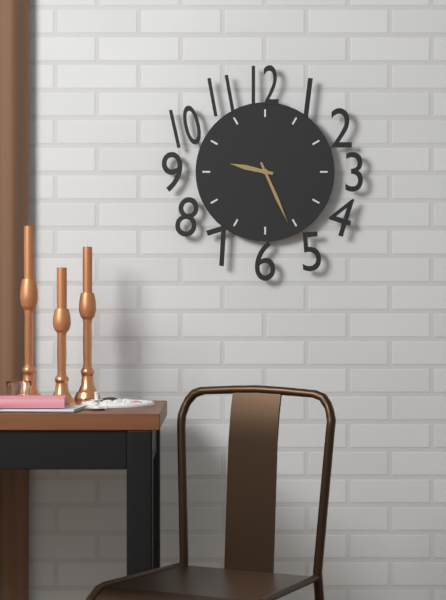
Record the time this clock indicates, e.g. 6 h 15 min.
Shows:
9 h 26 min
